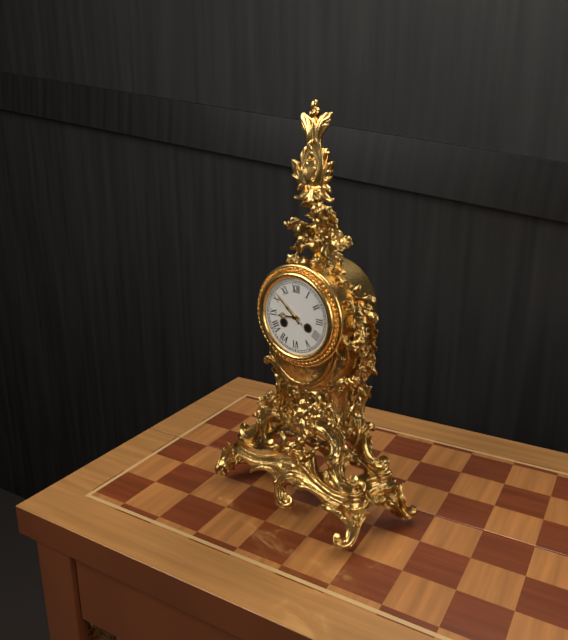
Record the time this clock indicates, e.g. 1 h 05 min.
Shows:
8 h 52 min
